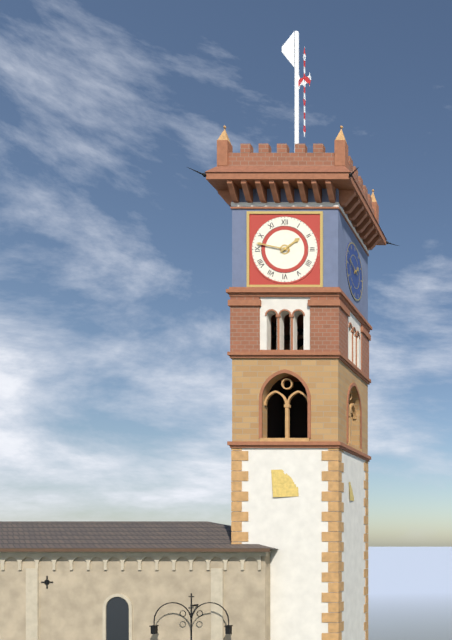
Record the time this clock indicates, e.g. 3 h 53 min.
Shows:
1 h 47 min
